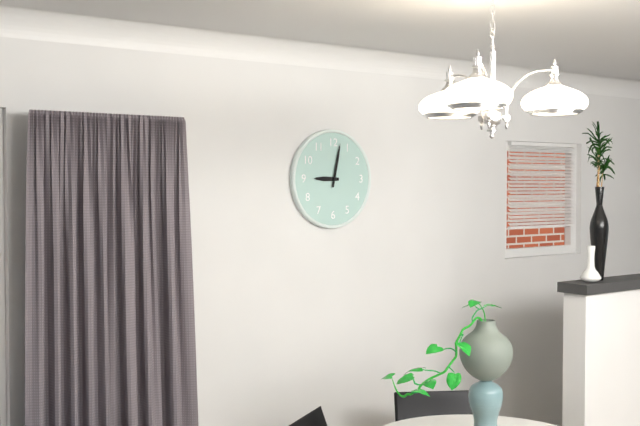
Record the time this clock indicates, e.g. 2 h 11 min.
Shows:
9 h 02 min
